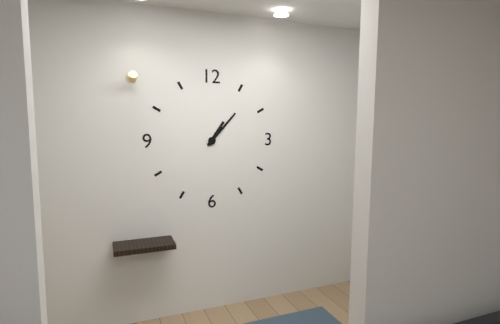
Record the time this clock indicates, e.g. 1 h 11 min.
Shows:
1 h 07 min
